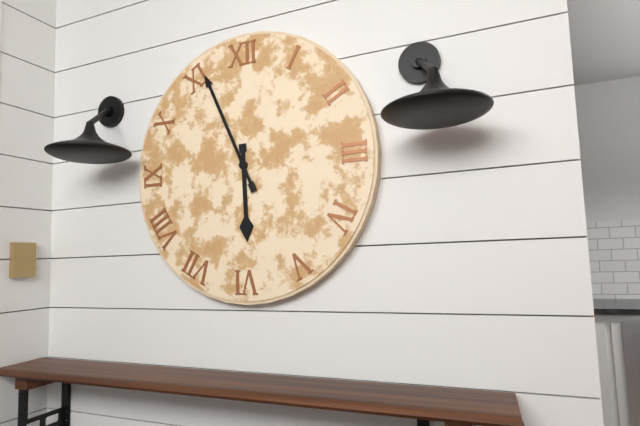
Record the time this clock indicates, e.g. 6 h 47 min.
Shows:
5 h 56 min
